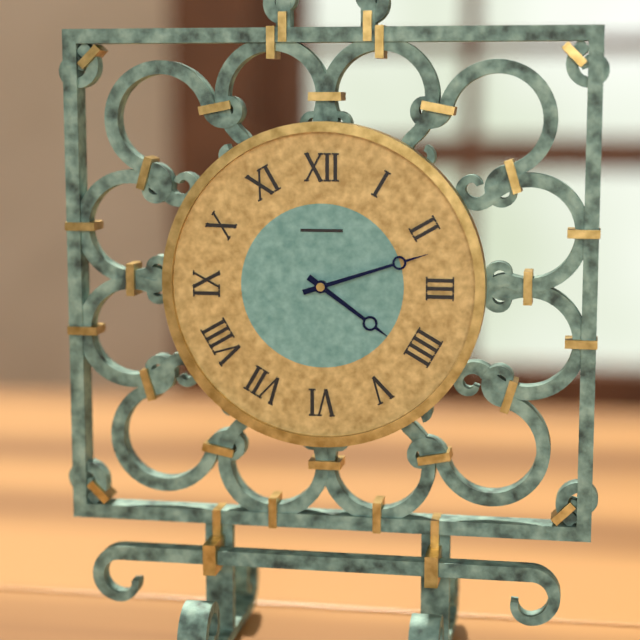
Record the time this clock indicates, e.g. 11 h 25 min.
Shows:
4 h 12 min
